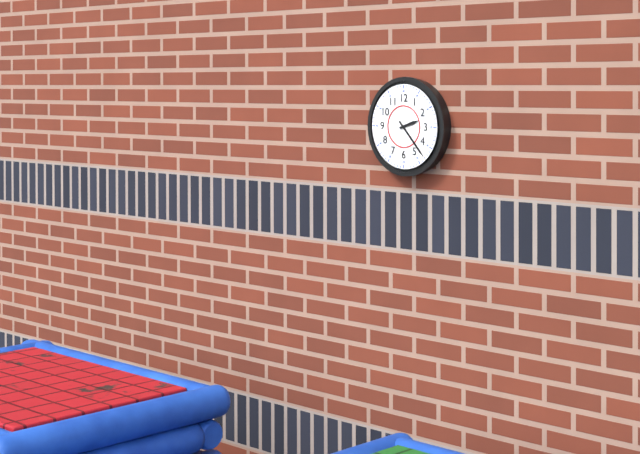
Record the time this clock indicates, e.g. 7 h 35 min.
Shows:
2 h 23 min
